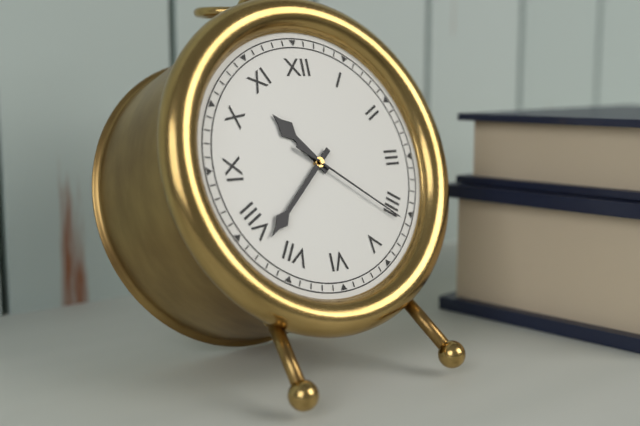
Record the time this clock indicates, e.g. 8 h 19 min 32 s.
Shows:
10 h 38 min 21 s
